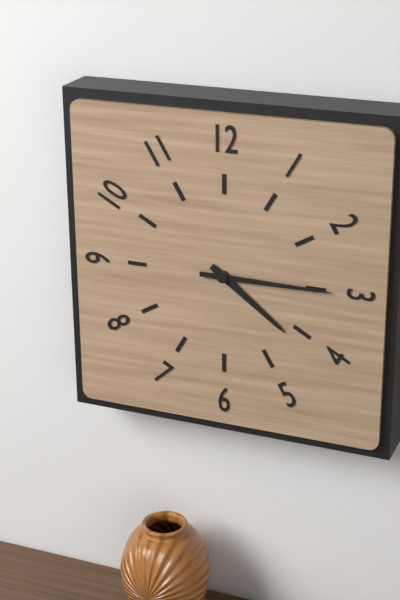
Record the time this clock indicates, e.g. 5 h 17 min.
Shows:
4 h 15 min
